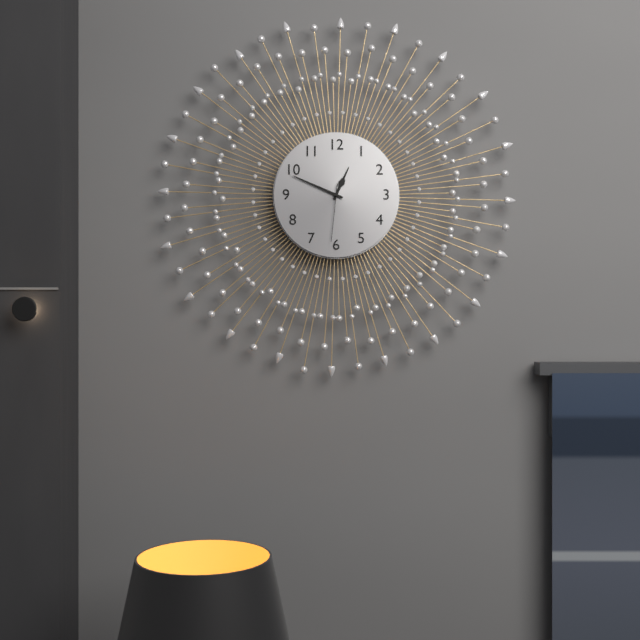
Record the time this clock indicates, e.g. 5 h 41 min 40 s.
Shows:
12 h 49 min 31 s
